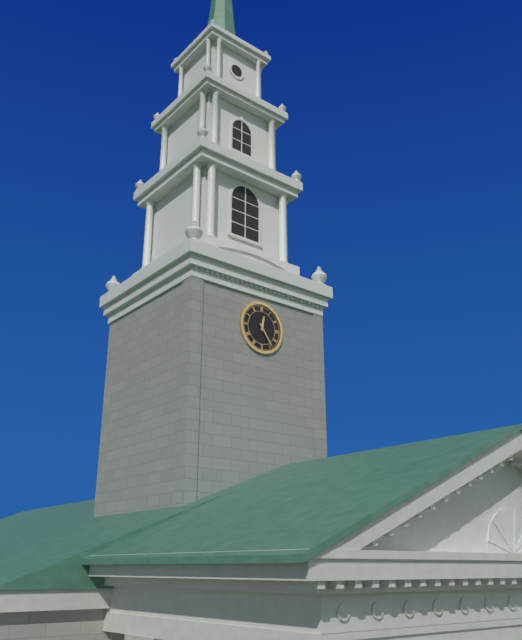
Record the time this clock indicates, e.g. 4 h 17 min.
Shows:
12 h 24 min
